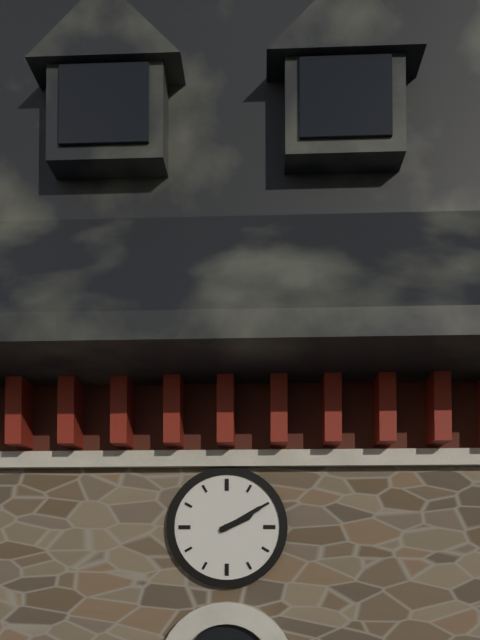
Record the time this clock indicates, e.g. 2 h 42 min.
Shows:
2 h 10 min
